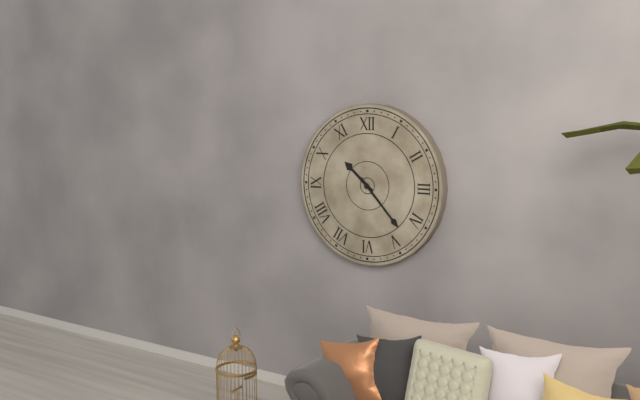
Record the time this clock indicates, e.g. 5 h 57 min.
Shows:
10 h 23 min
